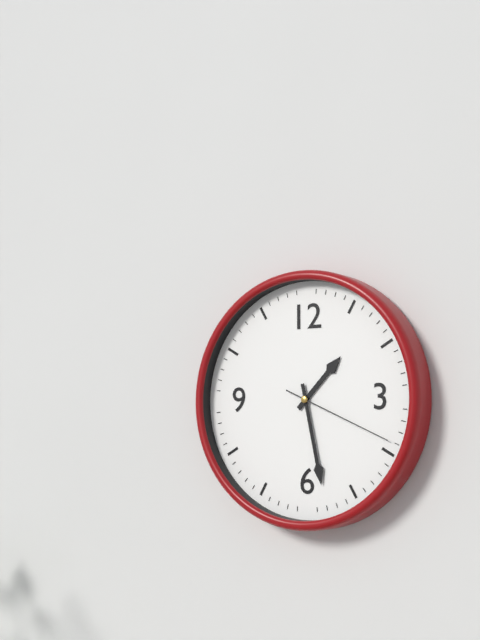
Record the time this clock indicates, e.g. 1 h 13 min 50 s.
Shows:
1 h 28 min 19 s
